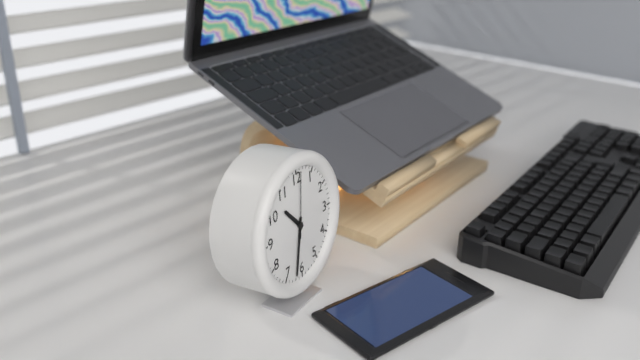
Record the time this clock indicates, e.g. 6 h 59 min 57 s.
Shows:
10 h 32 min 01 s
